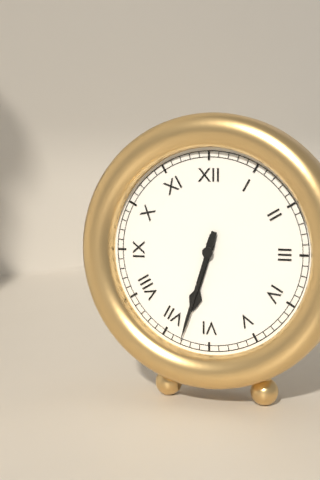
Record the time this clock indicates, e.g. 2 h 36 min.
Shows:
6 h 33 min
